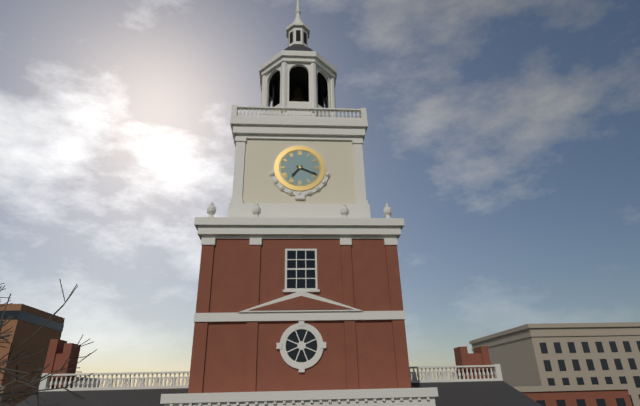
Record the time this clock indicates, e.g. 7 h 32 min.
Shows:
7 h 19 min
